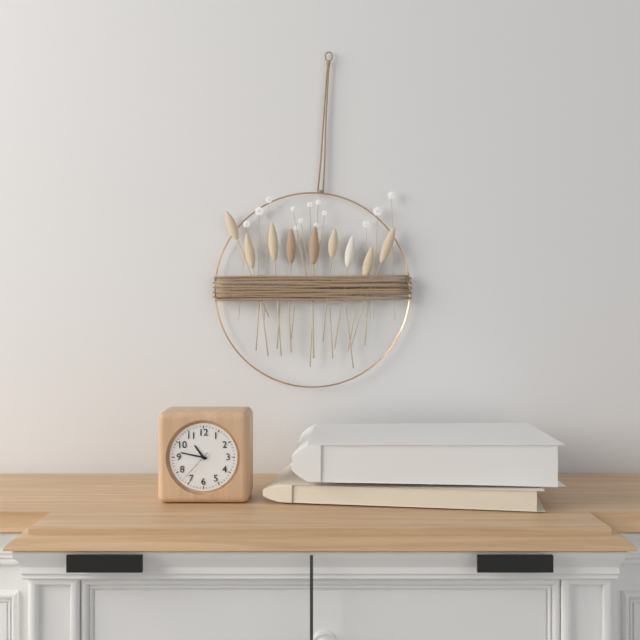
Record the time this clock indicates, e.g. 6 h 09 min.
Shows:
10 h 47 min
